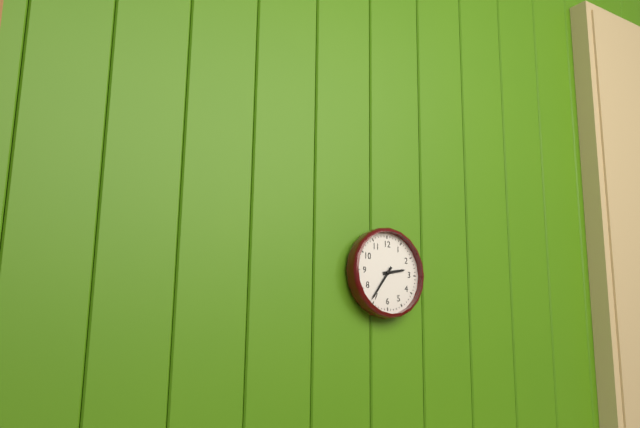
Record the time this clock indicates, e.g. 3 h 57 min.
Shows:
2 h 36 min
